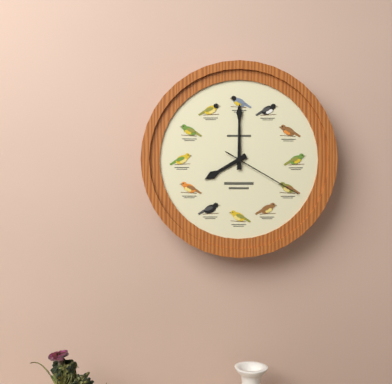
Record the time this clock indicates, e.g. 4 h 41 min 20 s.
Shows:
8 h 00 min 20 s
